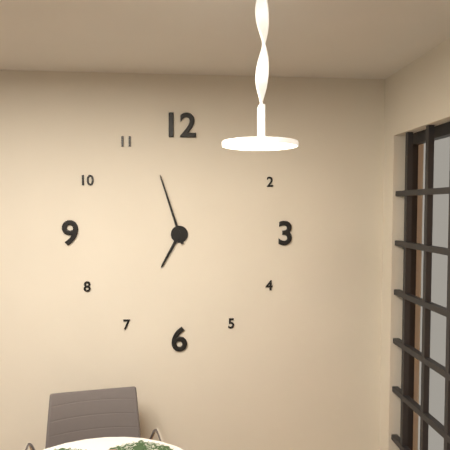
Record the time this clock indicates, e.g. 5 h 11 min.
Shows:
6 h 57 min
